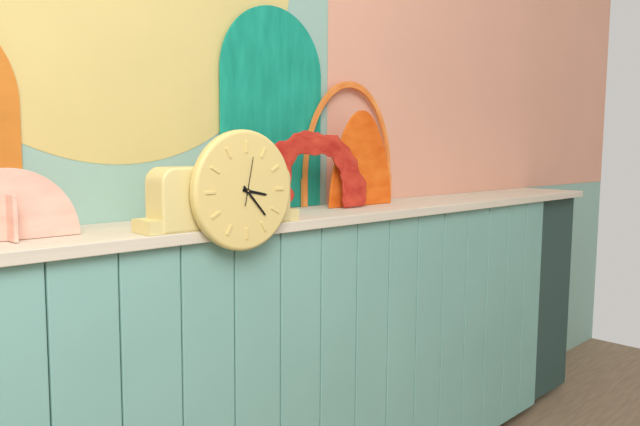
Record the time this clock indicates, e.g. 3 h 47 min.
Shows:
3 h 23 min
